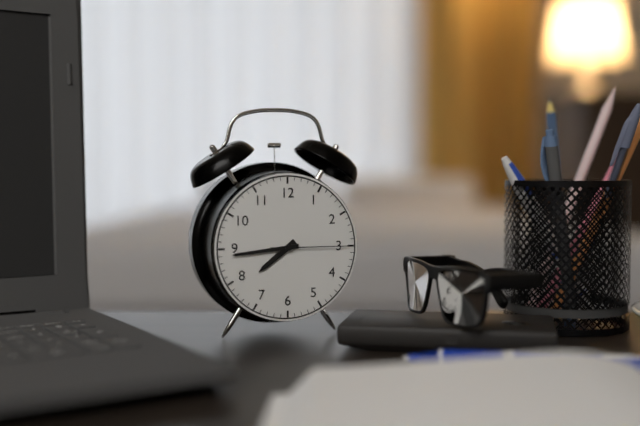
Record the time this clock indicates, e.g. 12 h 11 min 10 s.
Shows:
7 h 44 min 15 s
